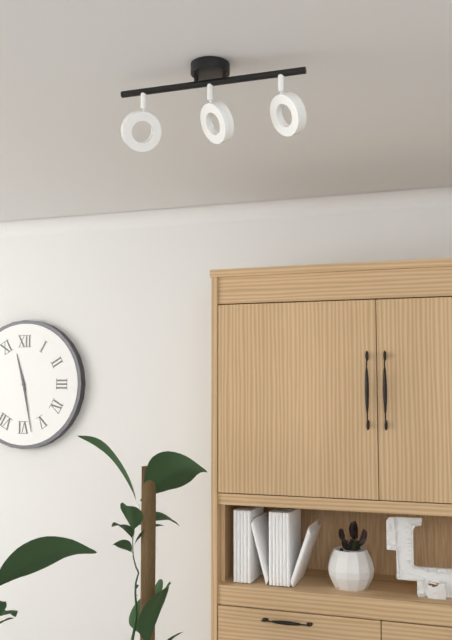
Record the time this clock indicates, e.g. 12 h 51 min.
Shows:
11 h 28 min
